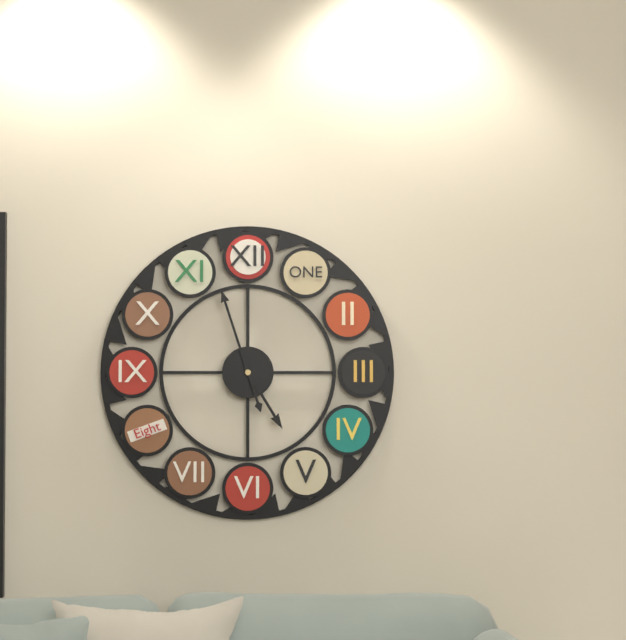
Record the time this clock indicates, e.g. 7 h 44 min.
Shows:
4 h 57 min
